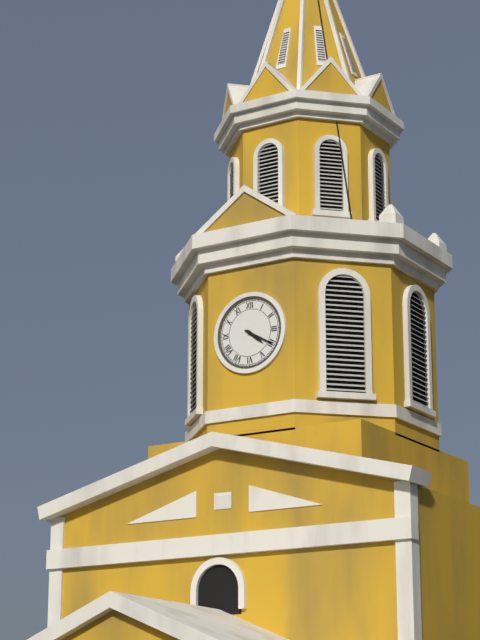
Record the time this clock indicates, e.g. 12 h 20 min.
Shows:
4 h 20 min
